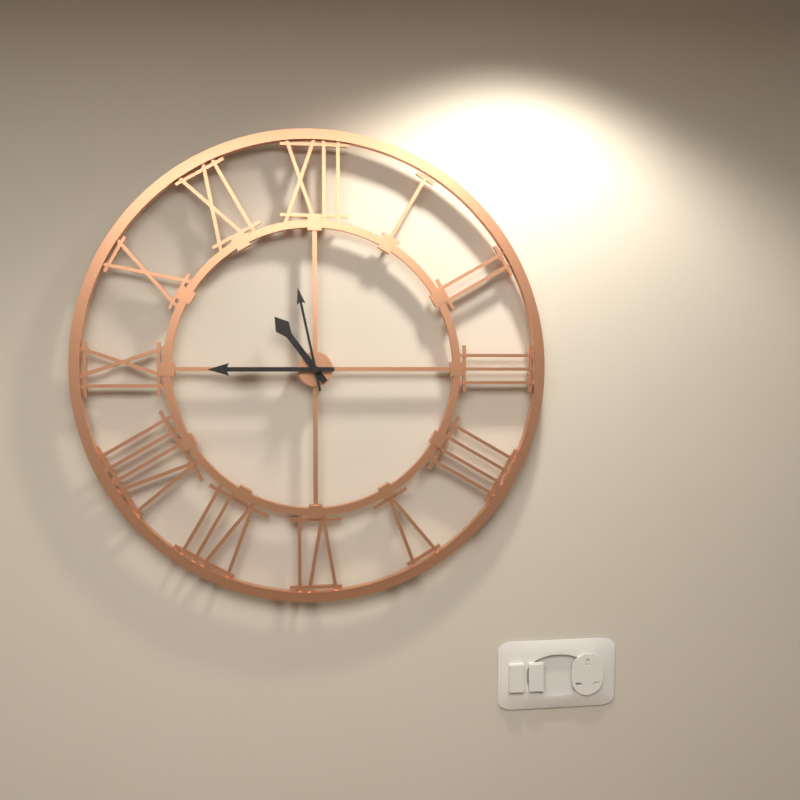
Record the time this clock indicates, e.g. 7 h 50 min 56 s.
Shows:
10 h 45 min 58 s
